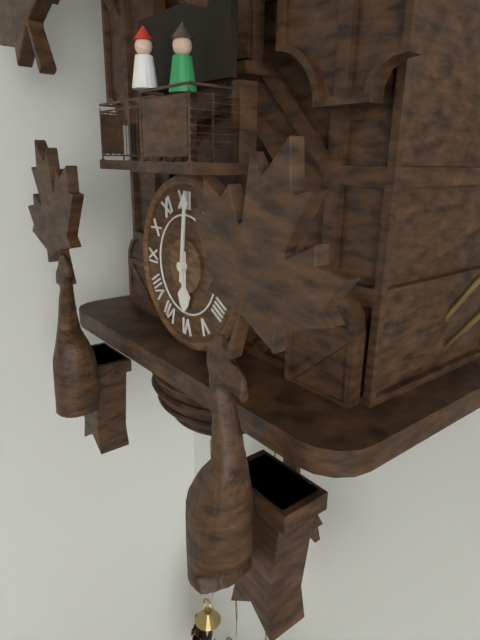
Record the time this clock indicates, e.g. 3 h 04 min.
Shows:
6 h 01 min
